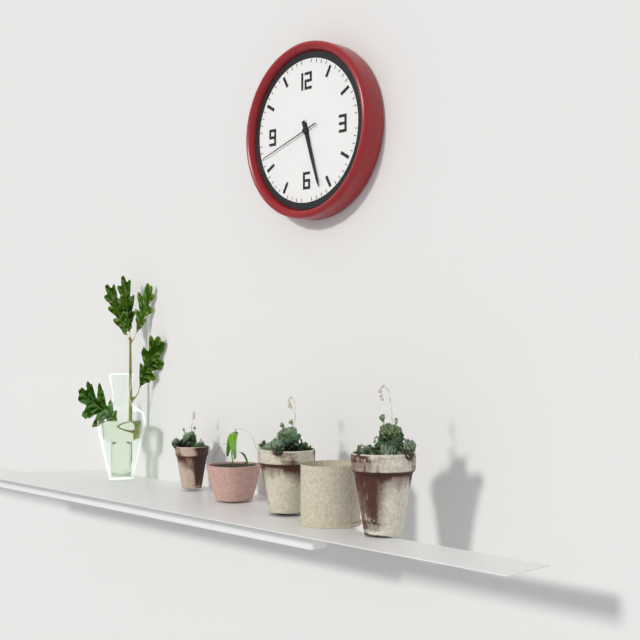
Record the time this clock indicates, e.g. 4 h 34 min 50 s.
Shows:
5 h 27 min 42 s
